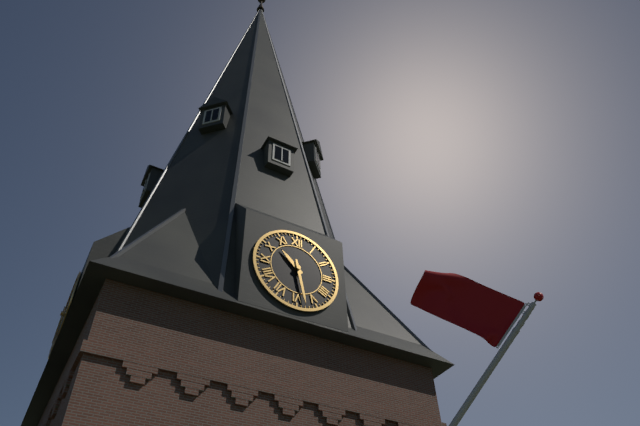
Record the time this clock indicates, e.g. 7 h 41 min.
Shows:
10 h 28 min
